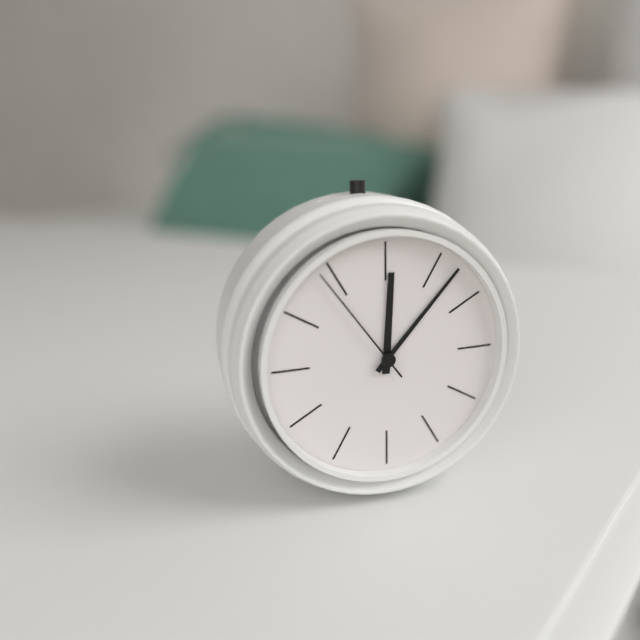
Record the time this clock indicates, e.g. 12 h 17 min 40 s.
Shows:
12 h 07 min 54 s
